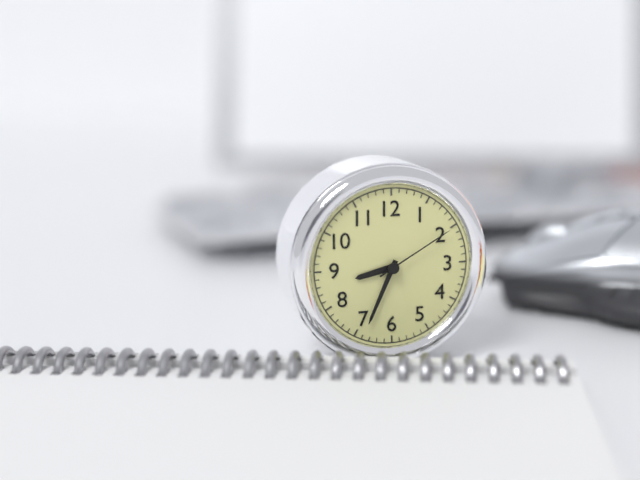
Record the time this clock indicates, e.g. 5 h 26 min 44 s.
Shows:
8 h 34 min 10 s
